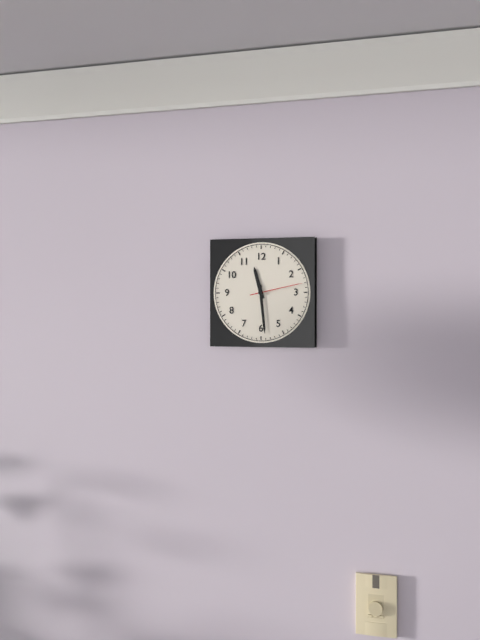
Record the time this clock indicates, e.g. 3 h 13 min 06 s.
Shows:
11 h 29 min 13 s
